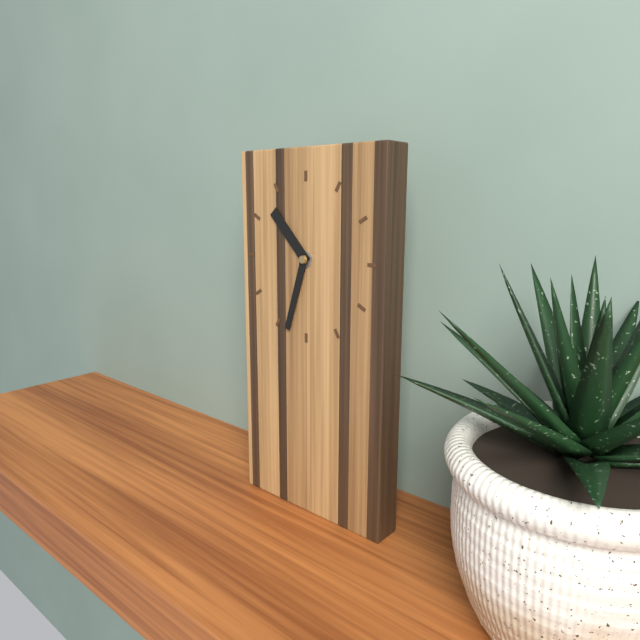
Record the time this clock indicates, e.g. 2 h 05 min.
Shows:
10 h 33 min
